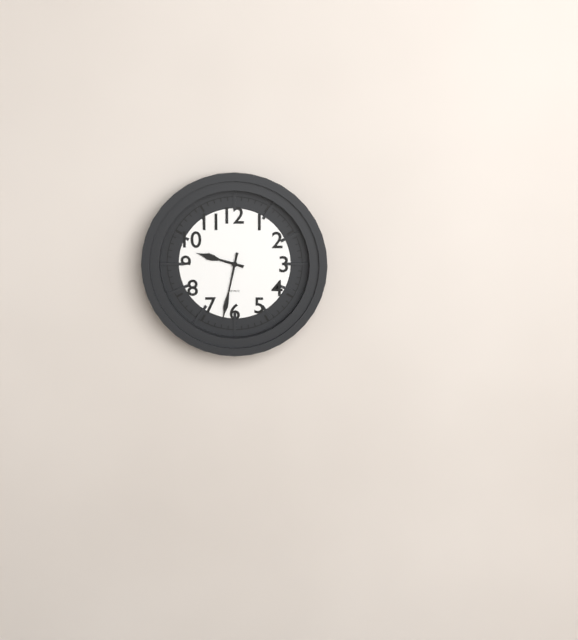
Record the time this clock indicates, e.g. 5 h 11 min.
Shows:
9 h 32 min
